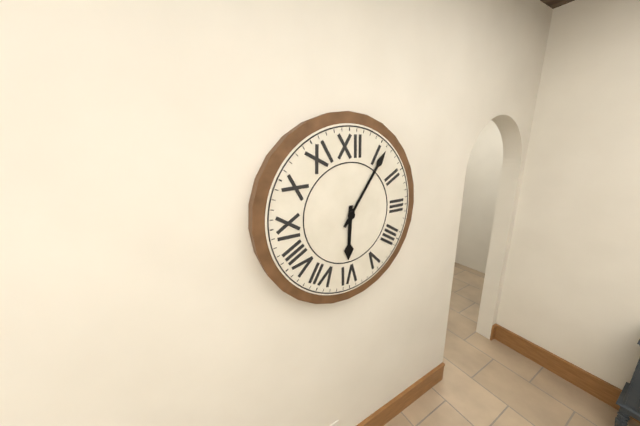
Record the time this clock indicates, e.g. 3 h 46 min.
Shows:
6 h 06 min
